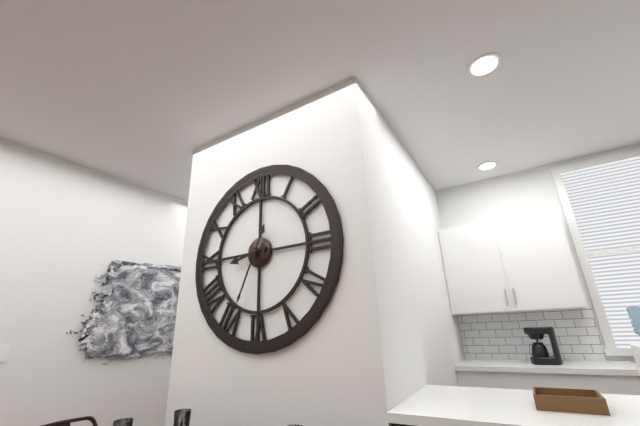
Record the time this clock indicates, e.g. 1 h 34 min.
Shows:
8 h 34 min
